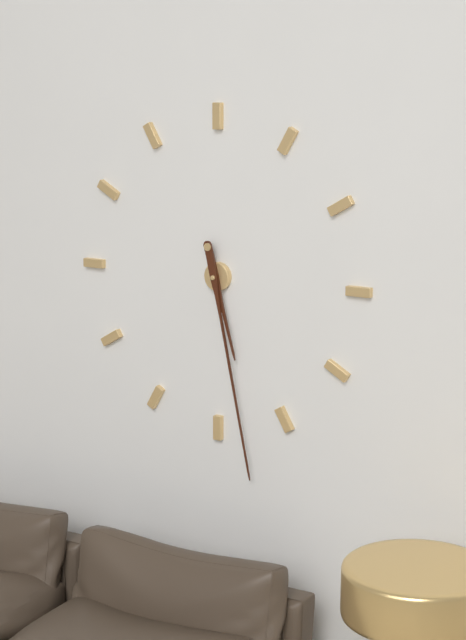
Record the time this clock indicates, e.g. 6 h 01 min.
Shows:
5 h 28 min
